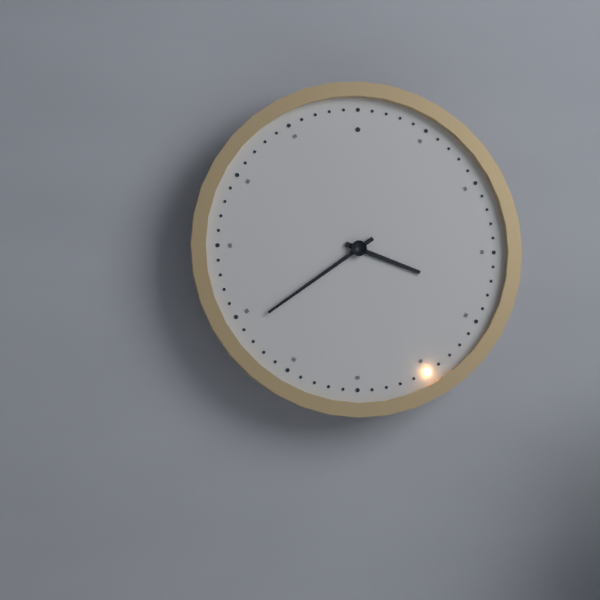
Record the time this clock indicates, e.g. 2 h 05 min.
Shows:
3 h 39 min
